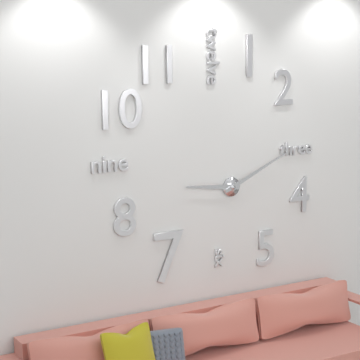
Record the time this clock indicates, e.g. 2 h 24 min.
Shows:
9 h 11 min
